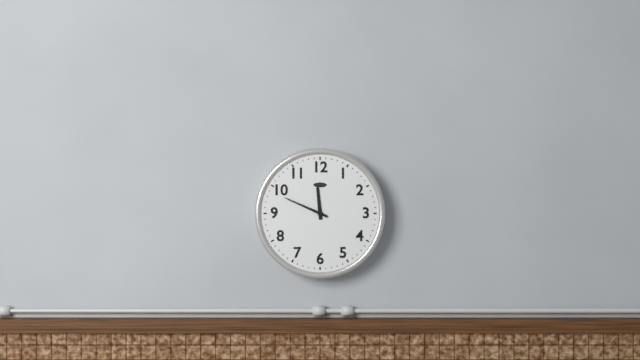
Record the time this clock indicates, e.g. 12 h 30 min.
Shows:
11 h 49 min
